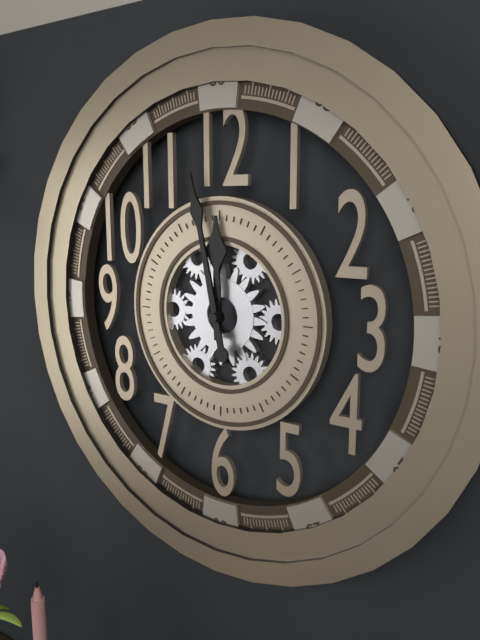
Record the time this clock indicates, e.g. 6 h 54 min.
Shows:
11 h 58 min
